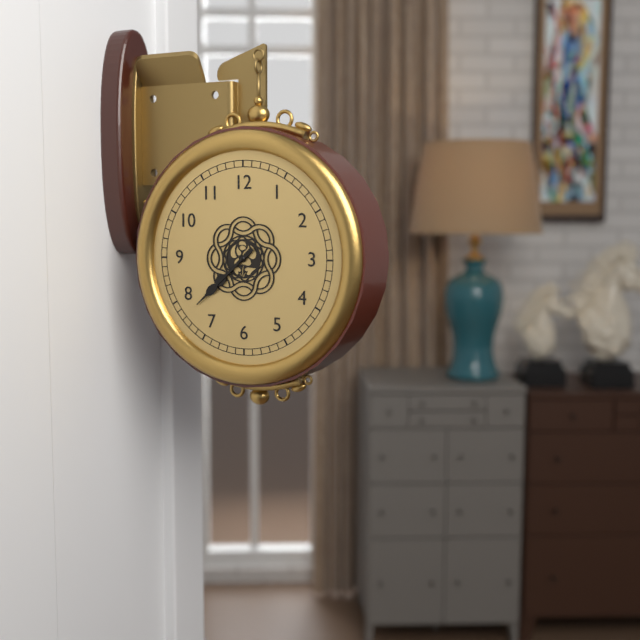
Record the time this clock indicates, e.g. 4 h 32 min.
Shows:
7 h 38 min
